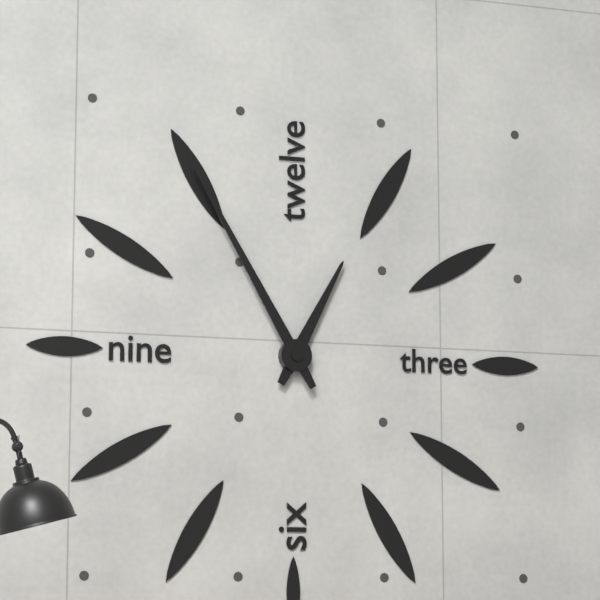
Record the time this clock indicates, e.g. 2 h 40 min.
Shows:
12 h 55 min
